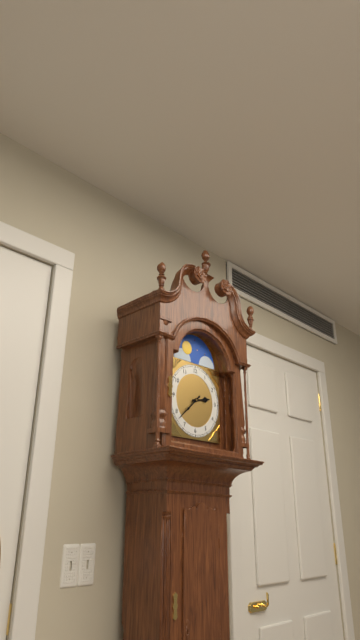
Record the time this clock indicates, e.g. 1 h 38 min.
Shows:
2 h 38 min
